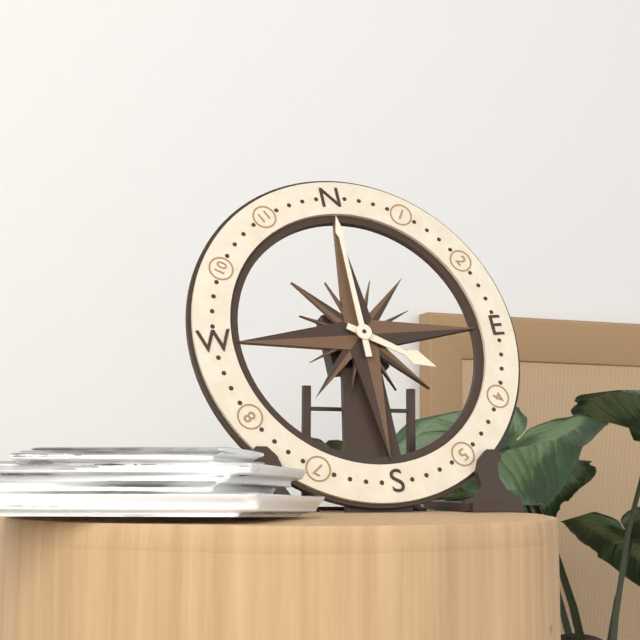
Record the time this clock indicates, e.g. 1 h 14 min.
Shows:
4 h 00 min
